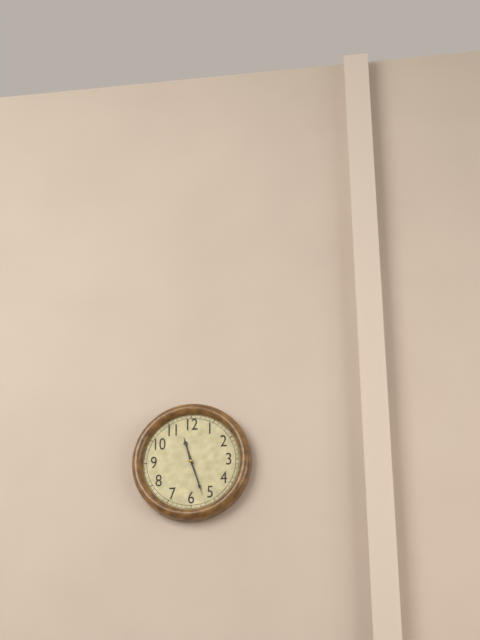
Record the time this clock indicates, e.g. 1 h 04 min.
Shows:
11 h 27 min
